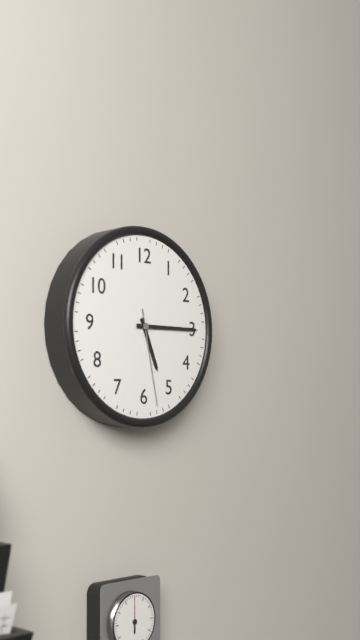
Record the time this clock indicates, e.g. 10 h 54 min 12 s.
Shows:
5 h 15 min 28 s
